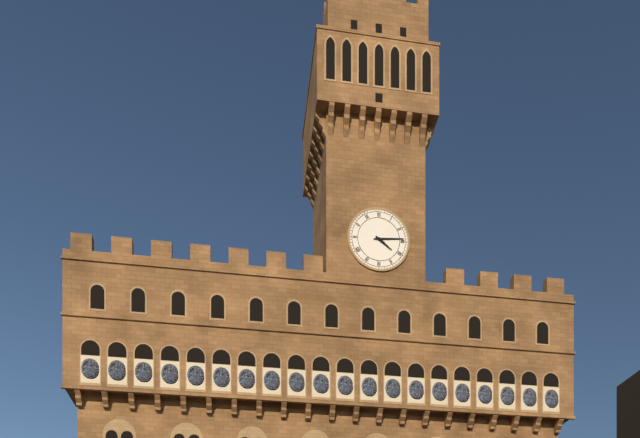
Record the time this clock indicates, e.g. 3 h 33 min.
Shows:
4 h 14 min
